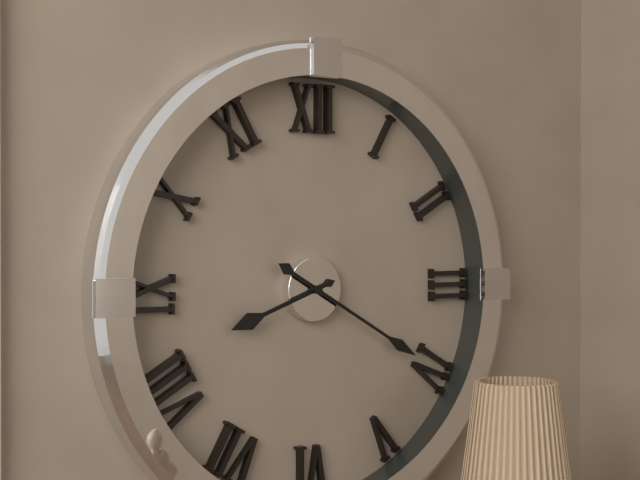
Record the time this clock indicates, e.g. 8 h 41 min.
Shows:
8 h 20 min
